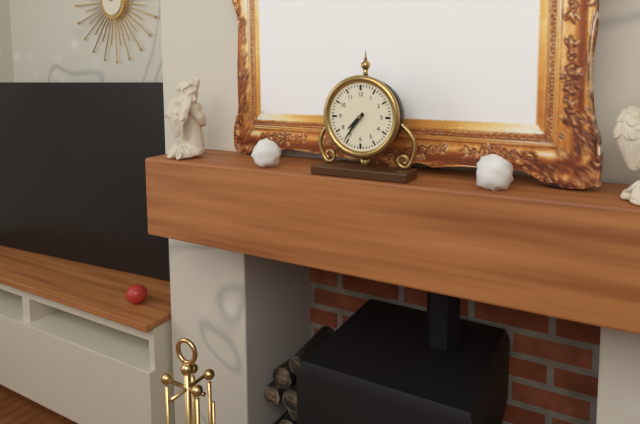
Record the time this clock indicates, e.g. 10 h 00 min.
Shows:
7 h 36 min
